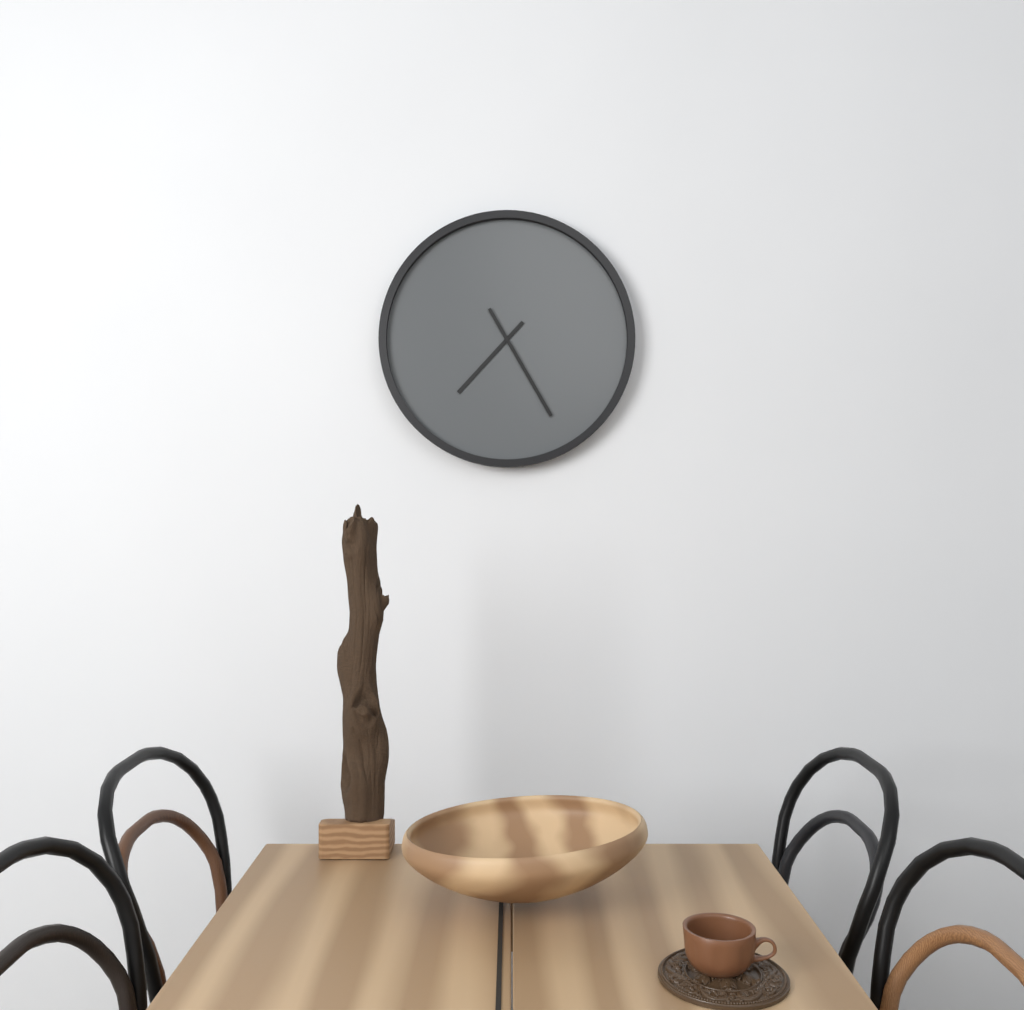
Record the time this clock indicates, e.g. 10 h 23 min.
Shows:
7 h 25 min
